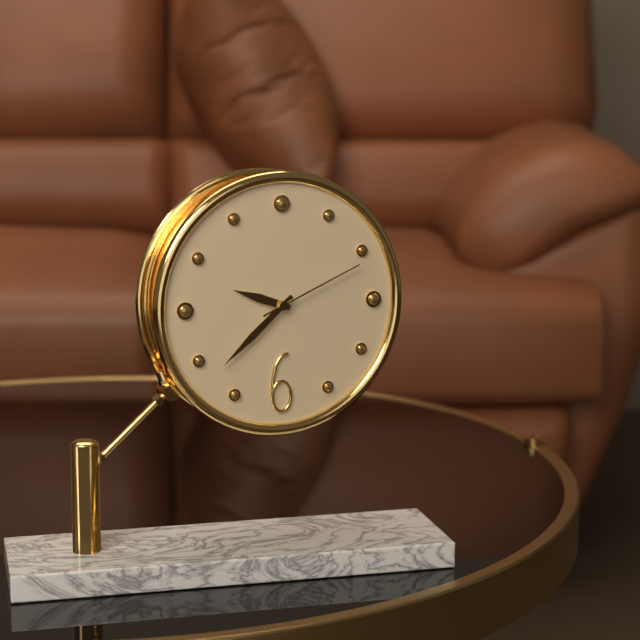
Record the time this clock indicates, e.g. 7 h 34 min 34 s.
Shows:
9 h 38 min 11 s
